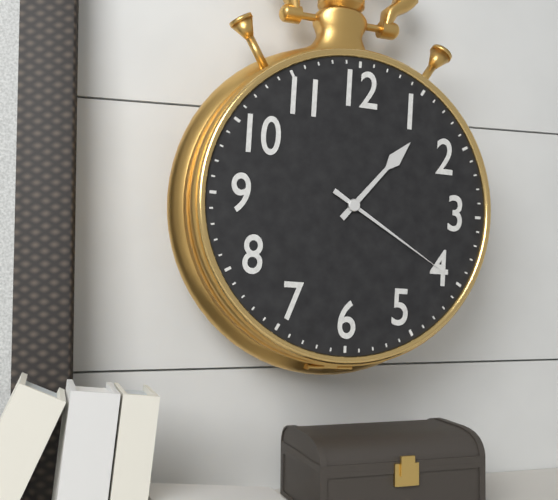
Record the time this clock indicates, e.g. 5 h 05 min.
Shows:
1 h 20 min
